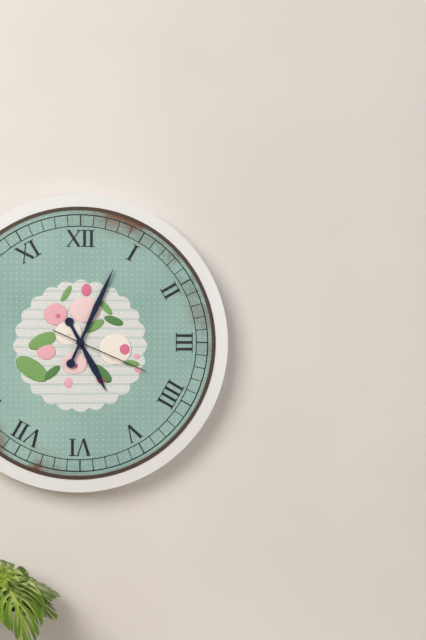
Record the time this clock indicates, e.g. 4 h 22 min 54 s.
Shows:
5 h 04 min 19 s
